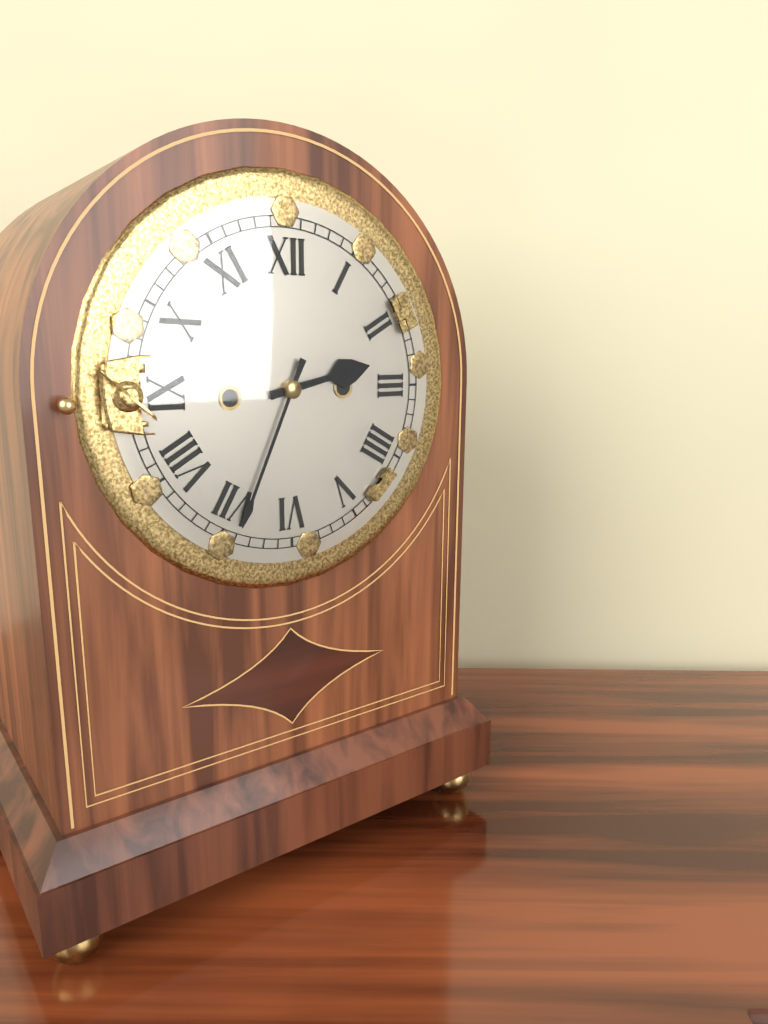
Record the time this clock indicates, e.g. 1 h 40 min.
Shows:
2 h 34 min
